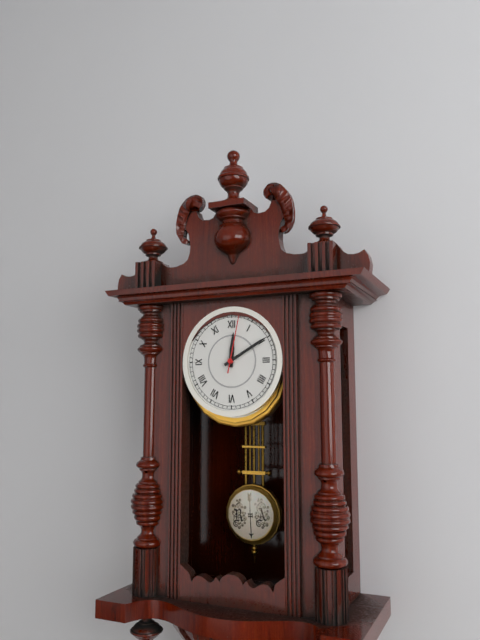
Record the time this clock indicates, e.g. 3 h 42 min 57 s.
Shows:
12 h 10 min 02 s
